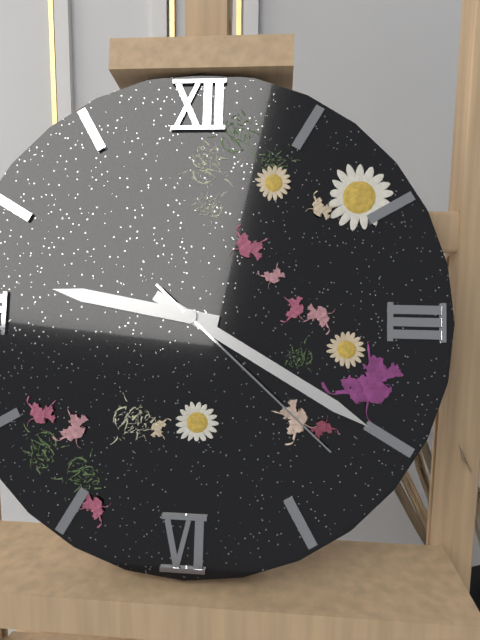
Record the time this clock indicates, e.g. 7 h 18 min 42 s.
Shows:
9 h 20 min 22 s
